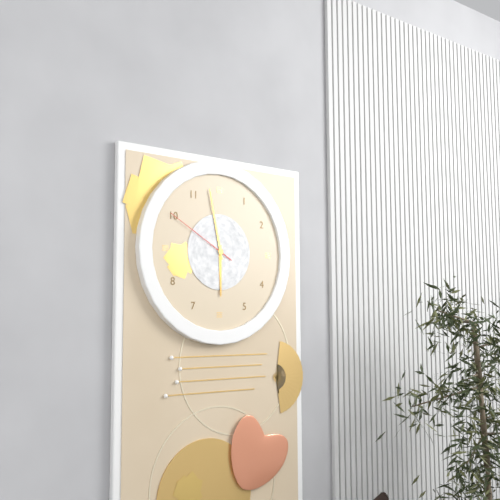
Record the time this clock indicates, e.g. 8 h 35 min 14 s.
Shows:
5 h 58 min 50 s
